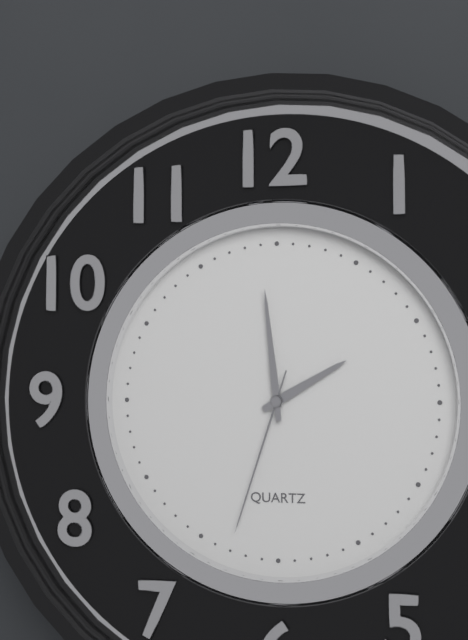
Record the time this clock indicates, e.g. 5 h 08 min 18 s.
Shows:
1 h 59 min 33 s
